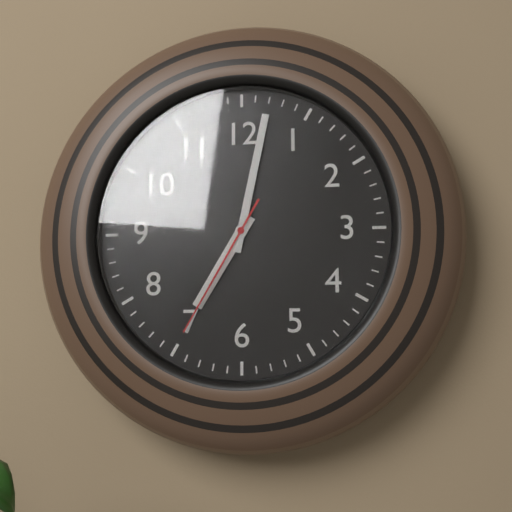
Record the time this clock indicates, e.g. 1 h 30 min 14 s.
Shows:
7 h 02 min 35 s
